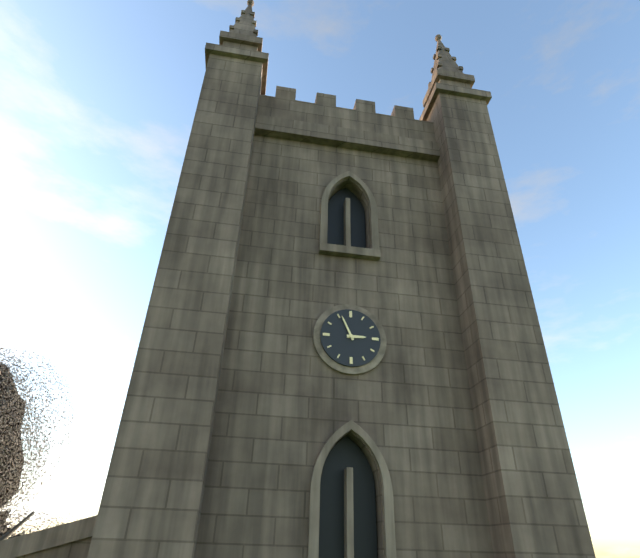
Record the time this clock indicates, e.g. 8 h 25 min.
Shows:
2 h 56 min
